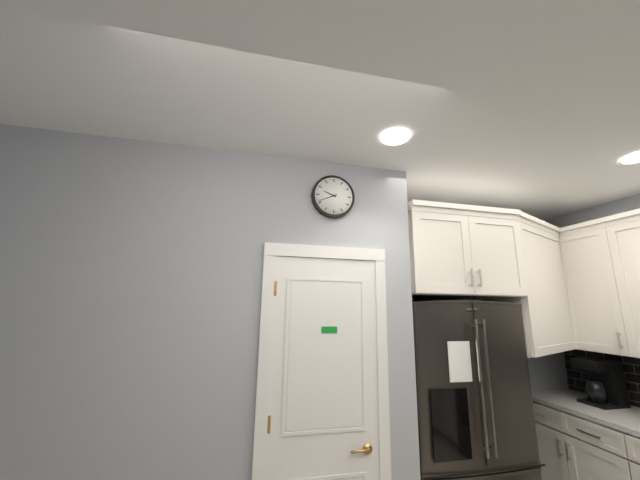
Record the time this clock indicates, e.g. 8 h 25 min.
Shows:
9 h 41 min
